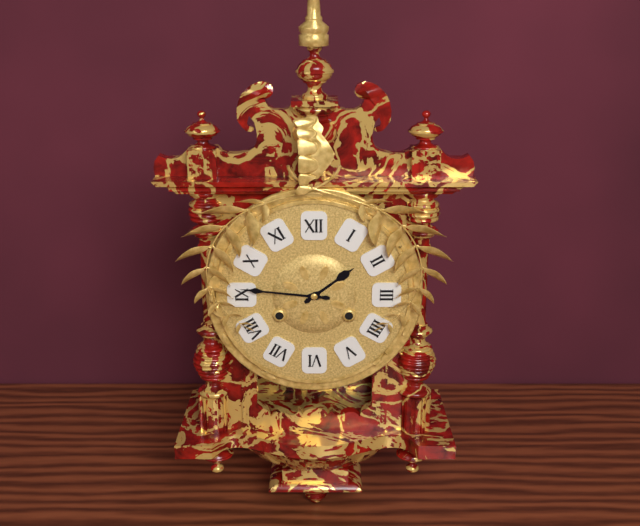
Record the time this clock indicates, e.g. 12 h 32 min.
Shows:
1 h 46 min
